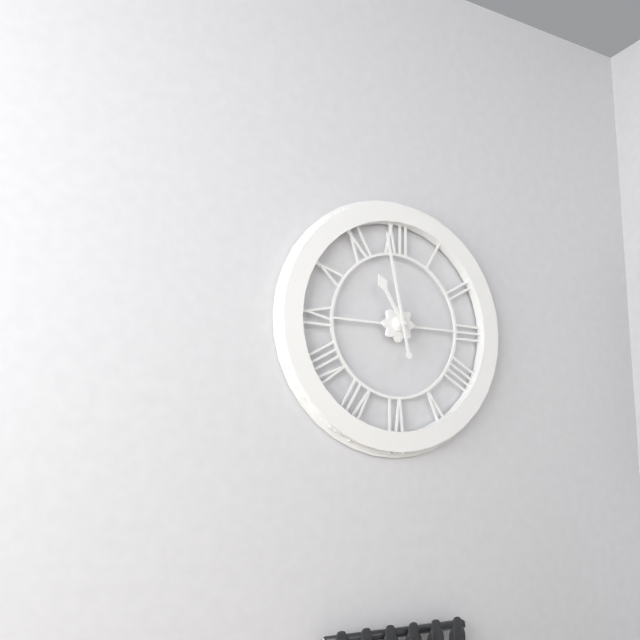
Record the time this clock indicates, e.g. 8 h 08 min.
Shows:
10 h 58 min
